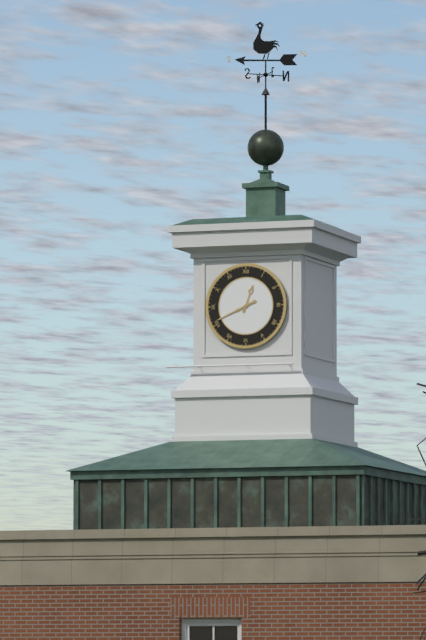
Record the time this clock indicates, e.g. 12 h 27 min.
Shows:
12 h 41 min
